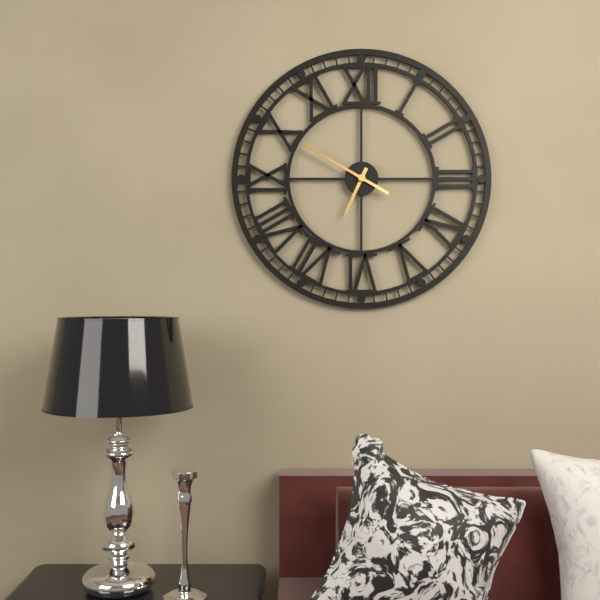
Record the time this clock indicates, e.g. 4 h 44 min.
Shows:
6 h 50 min
